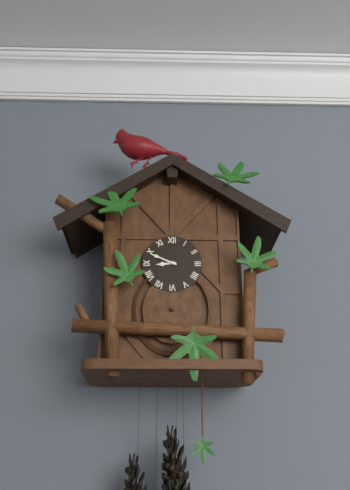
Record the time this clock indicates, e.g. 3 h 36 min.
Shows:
8 h 49 min
